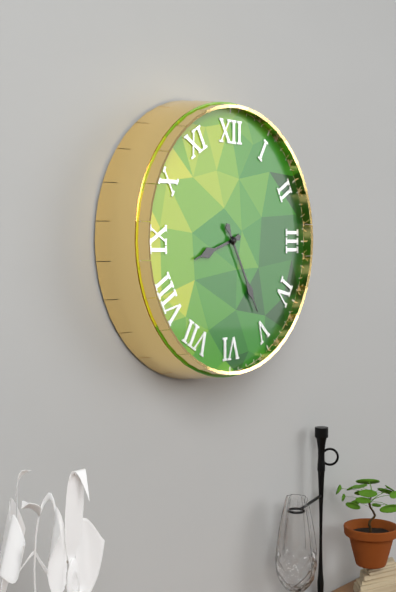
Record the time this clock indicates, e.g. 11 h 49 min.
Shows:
8 h 25 min
